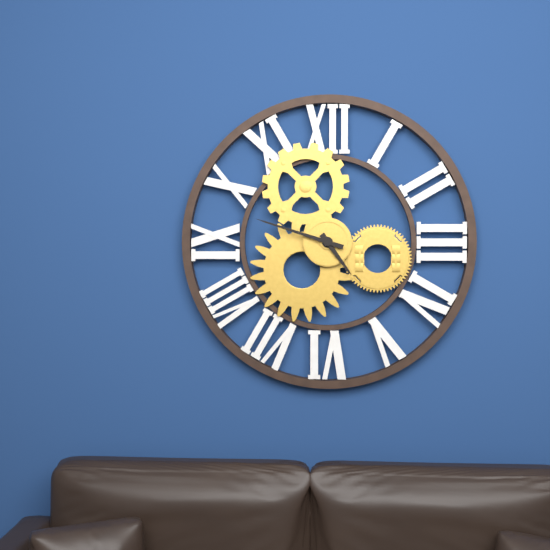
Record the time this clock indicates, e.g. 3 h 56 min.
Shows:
4 h 48 min
